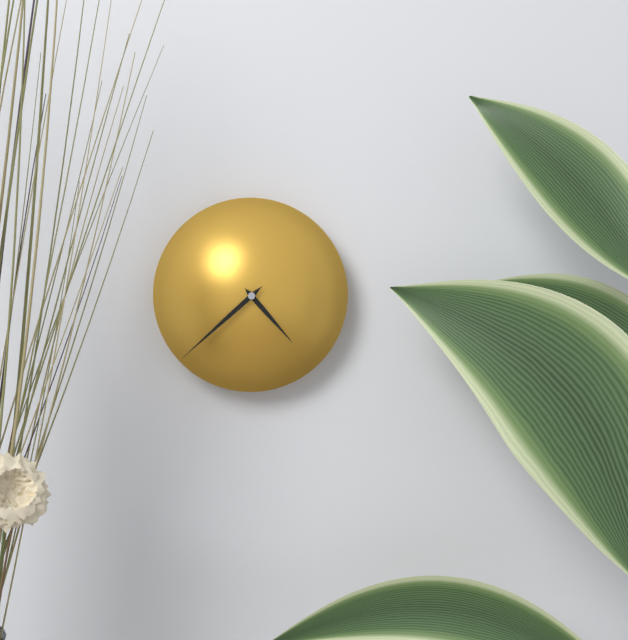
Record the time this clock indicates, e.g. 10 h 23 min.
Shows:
4 h 38 min
